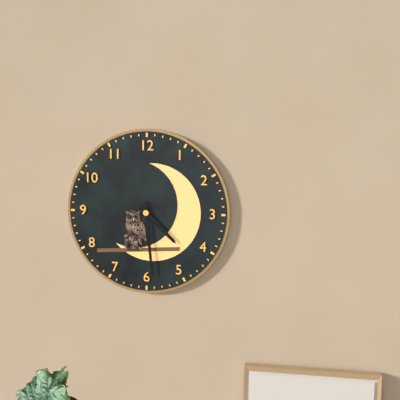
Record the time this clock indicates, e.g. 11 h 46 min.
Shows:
4 h 29 min
